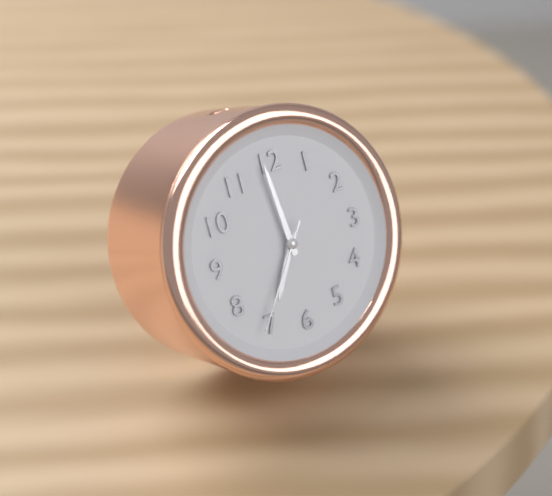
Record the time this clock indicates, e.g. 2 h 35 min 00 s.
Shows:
6 h 59 min 36 s
